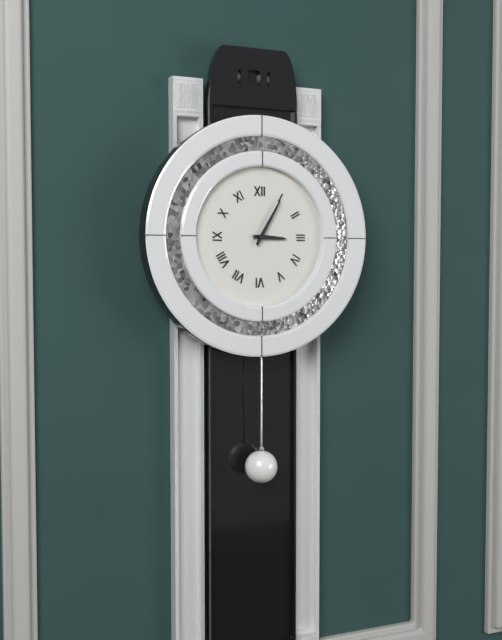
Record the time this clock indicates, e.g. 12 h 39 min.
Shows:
3 h 05 min
